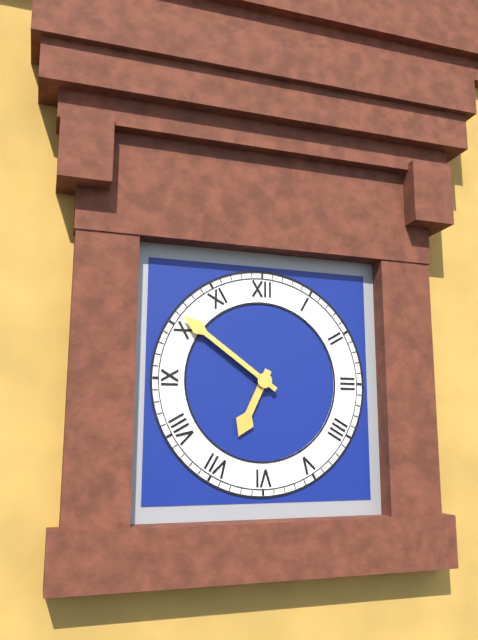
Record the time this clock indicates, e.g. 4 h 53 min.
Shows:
6 h 51 min
